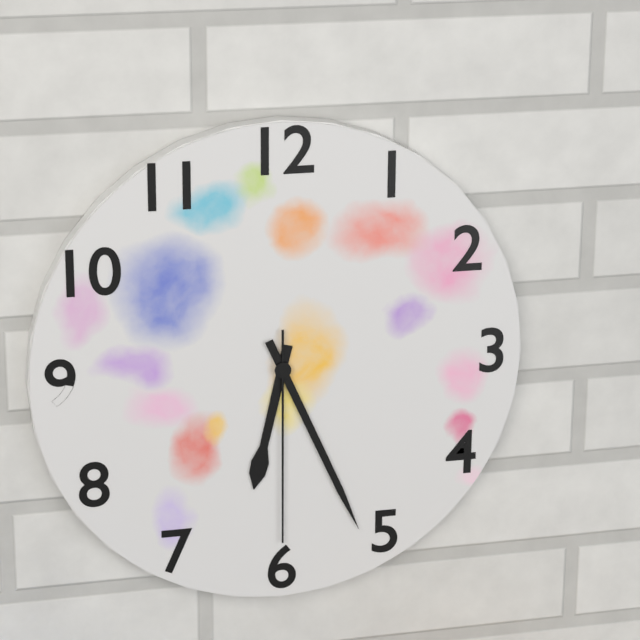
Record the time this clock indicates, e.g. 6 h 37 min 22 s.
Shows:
6 h 26 min 30 s
